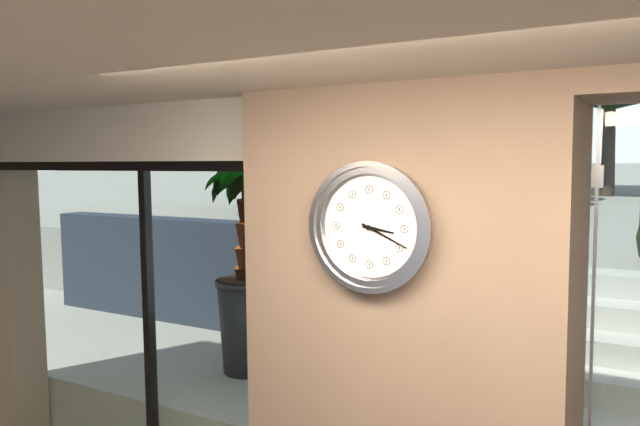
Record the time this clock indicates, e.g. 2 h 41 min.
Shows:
3 h 19 min
